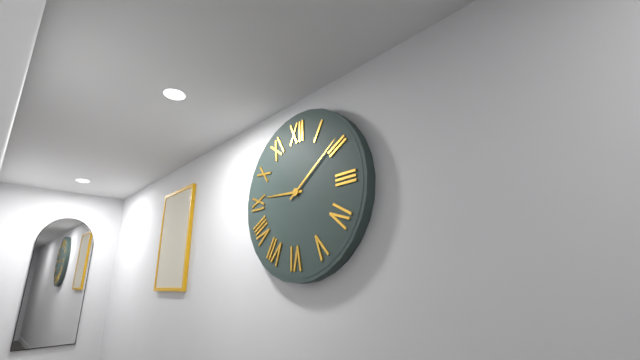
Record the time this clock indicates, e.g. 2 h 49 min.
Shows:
9 h 09 min
